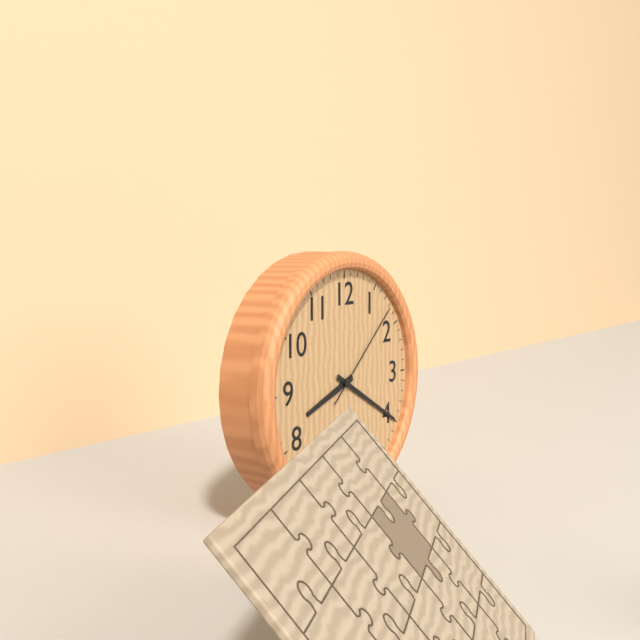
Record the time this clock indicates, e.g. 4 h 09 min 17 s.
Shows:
8 h 20 min 08 s
